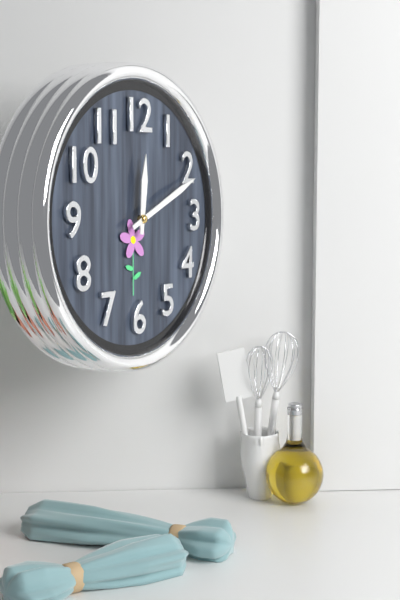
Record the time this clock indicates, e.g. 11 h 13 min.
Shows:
12 h 11 min
